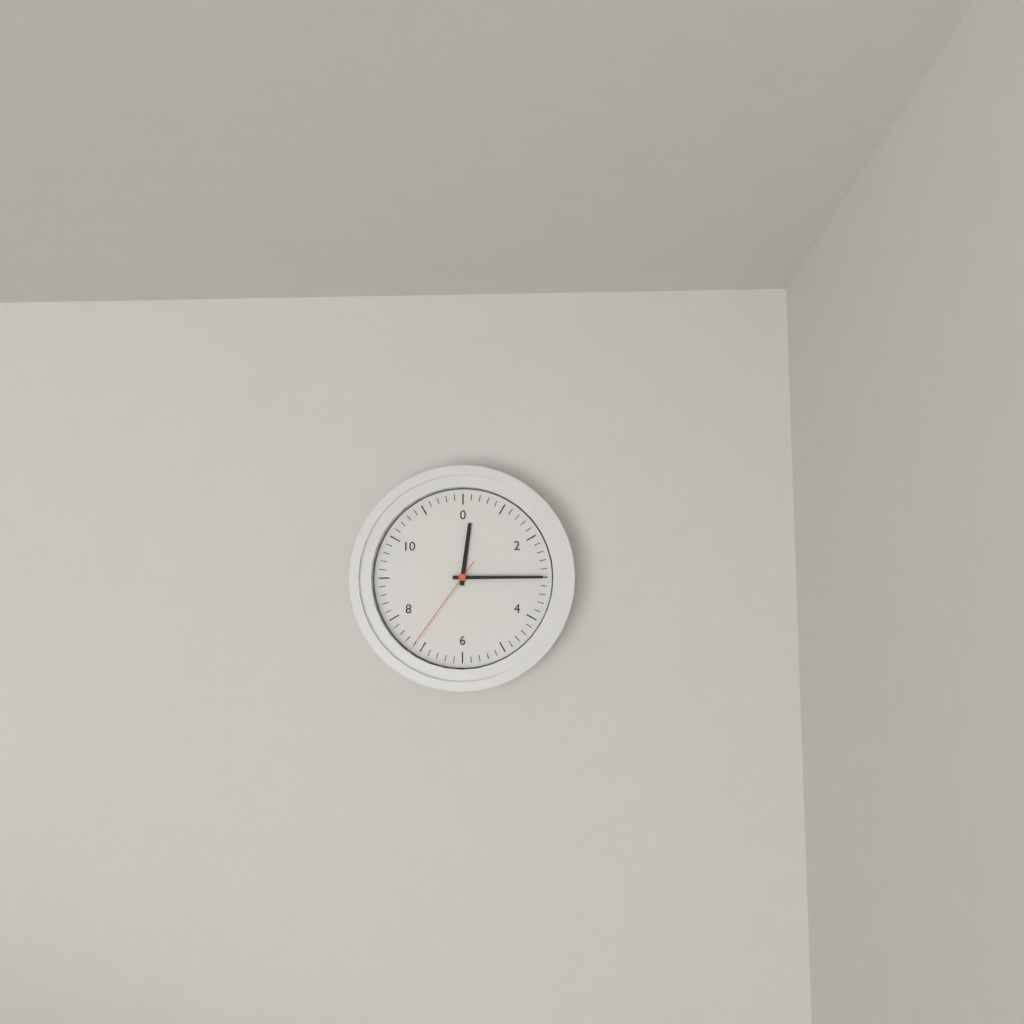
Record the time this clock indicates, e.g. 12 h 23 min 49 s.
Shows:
12 h 15 min 36 s
